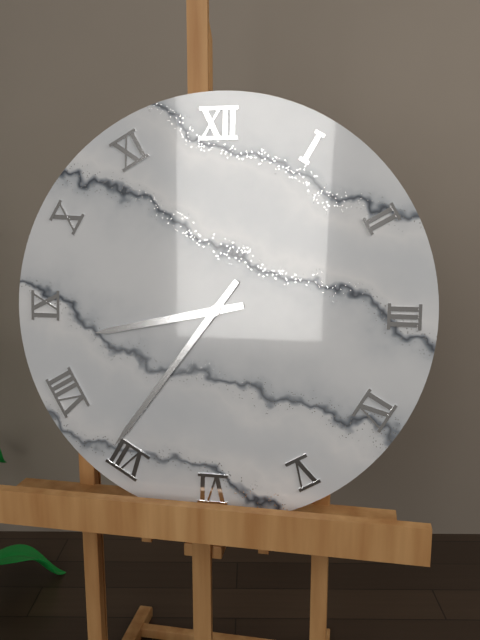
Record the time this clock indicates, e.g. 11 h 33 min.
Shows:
8 h 36 min
